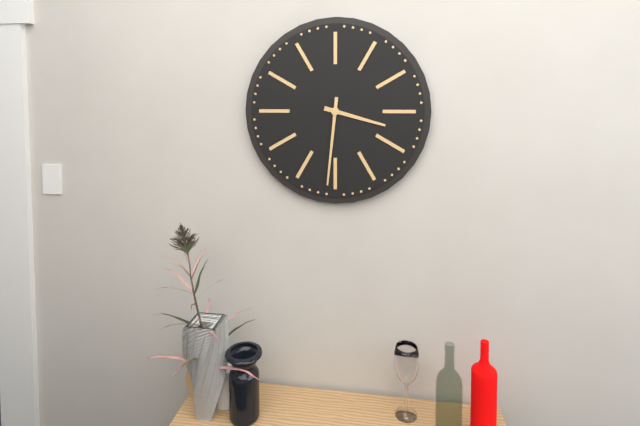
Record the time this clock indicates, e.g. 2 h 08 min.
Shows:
3 h 31 min
